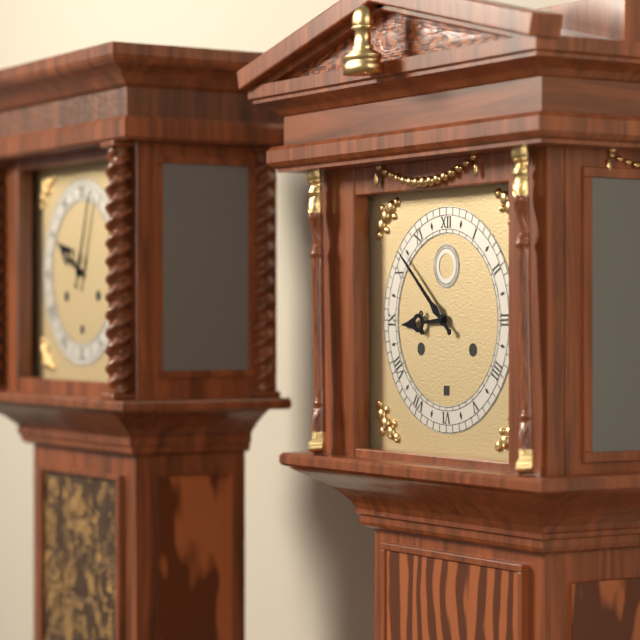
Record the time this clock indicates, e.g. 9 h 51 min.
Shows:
8 h 52 min
